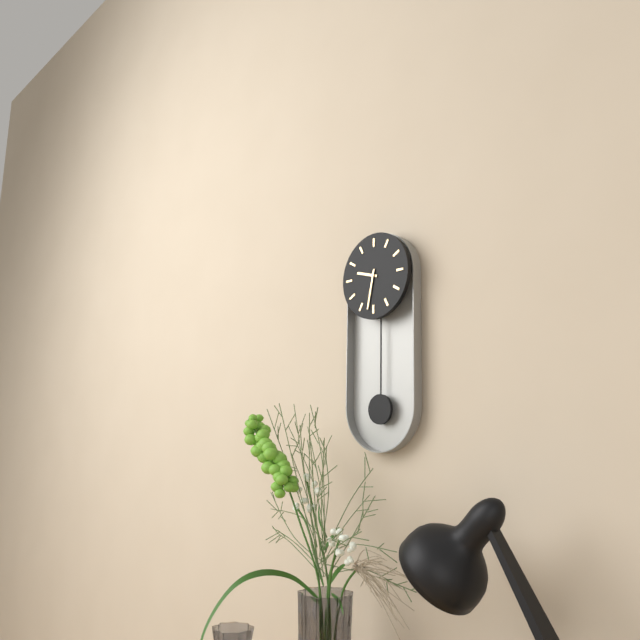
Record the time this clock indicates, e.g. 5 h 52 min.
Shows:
9 h 32 min
